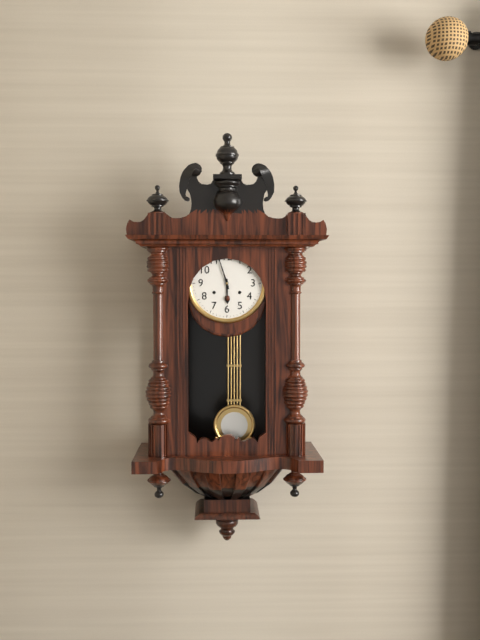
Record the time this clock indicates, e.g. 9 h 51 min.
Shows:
5 h 57 min
